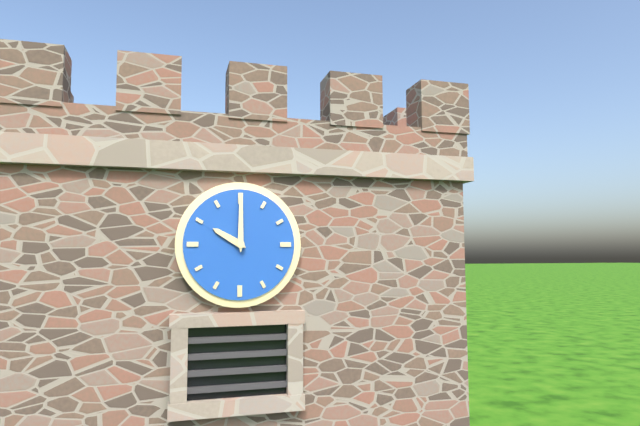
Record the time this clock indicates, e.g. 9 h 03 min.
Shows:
10 h 00 min
